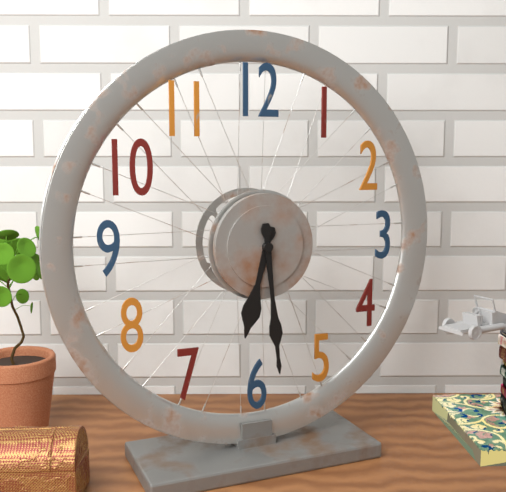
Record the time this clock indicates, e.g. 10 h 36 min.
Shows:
6 h 29 min
